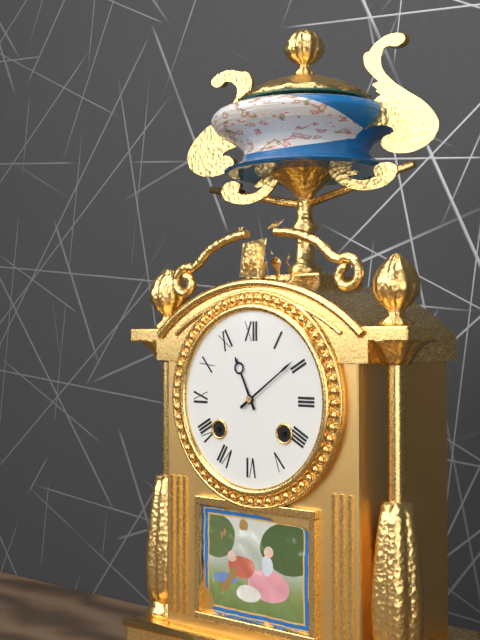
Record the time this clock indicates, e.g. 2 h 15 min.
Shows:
11 h 09 min
